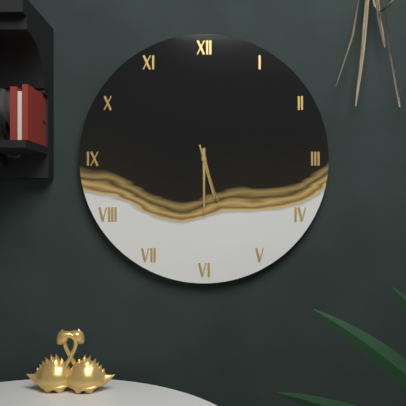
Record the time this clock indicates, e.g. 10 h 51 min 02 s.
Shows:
5 h 30 min 27 s
